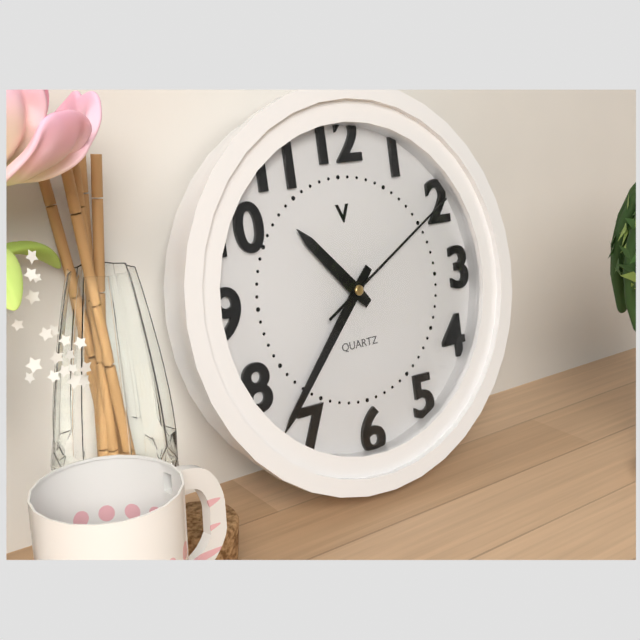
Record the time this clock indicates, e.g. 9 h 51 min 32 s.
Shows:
10 h 37 min 10 s
